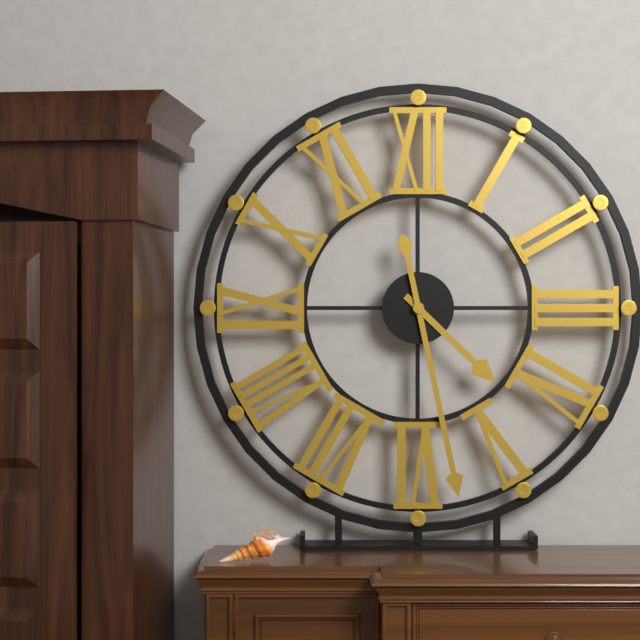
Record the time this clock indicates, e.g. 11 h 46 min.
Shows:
4 h 28 min
